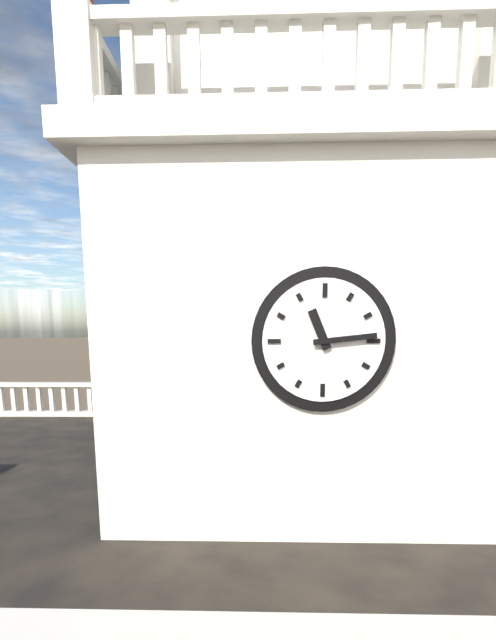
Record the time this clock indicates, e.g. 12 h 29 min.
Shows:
11 h 14 min
